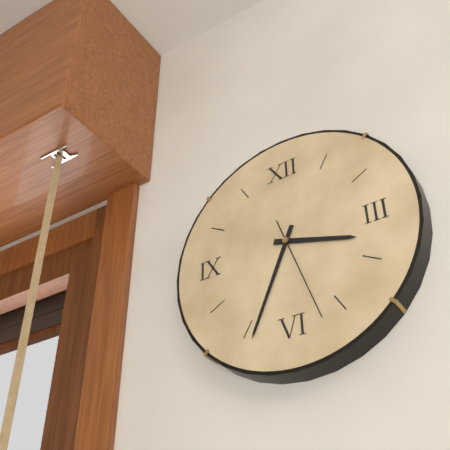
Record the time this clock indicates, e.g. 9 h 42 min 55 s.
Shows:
3 h 34 min 27 s
